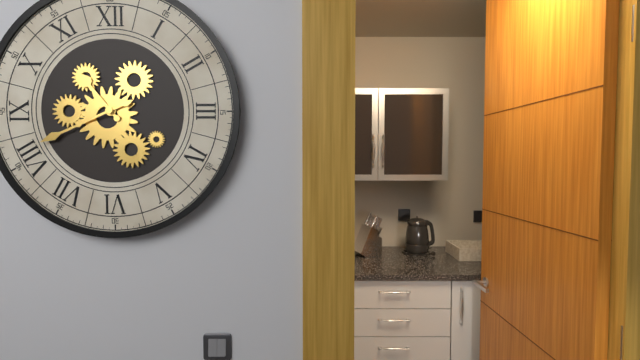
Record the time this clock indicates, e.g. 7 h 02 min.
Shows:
10 h 41 min
